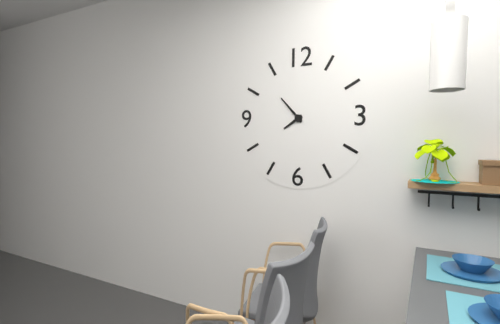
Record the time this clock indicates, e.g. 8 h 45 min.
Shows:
7 h 53 min
